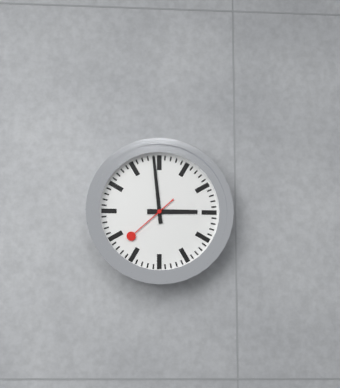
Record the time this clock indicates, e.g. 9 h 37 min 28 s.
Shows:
2 h 59 min 38 s
